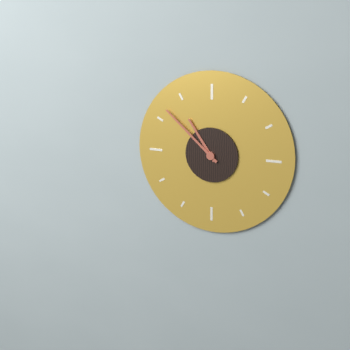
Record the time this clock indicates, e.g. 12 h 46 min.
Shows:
10 h 52 min
